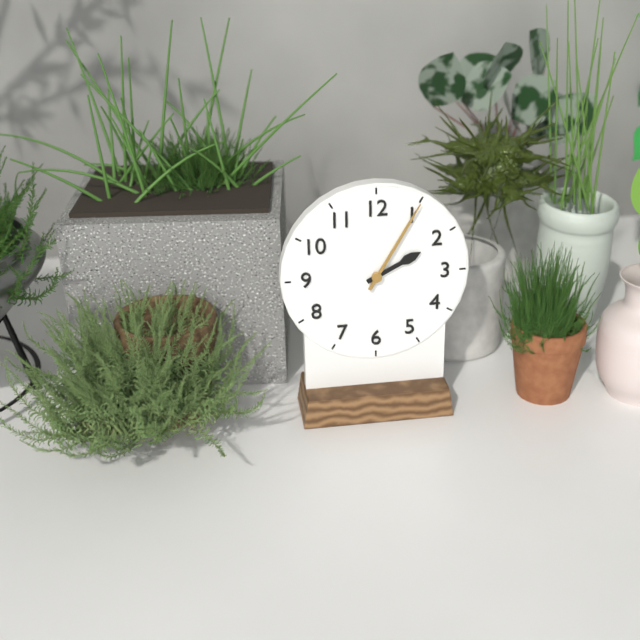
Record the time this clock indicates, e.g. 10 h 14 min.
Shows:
2 h 05 min
